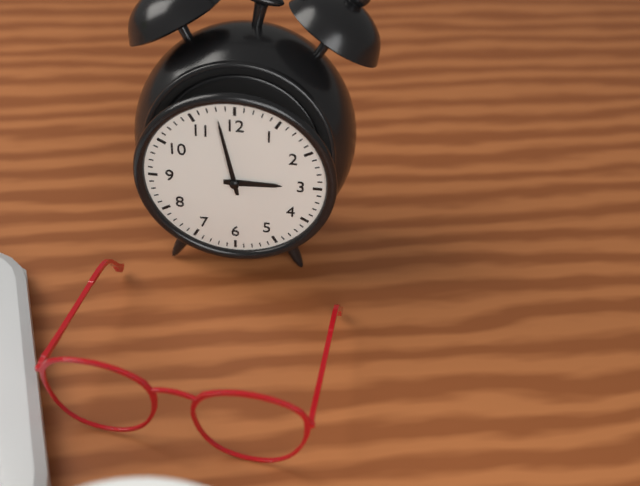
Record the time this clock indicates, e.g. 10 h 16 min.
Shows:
2 h 58 min
